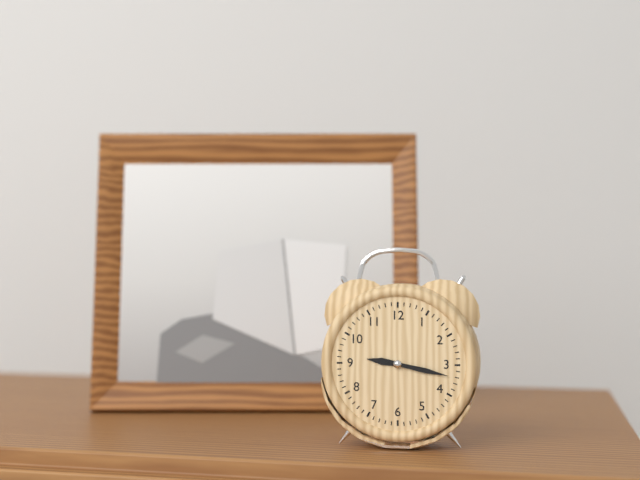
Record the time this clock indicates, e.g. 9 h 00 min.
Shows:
9 h 17 min
